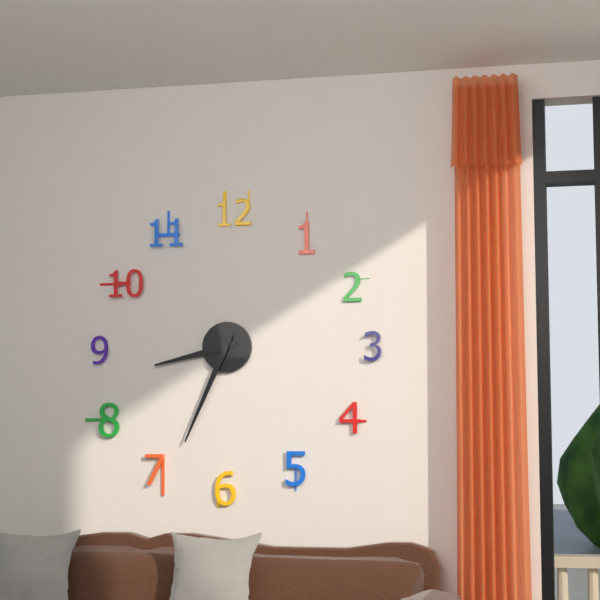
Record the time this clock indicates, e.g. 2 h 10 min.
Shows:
8 h 34 min
